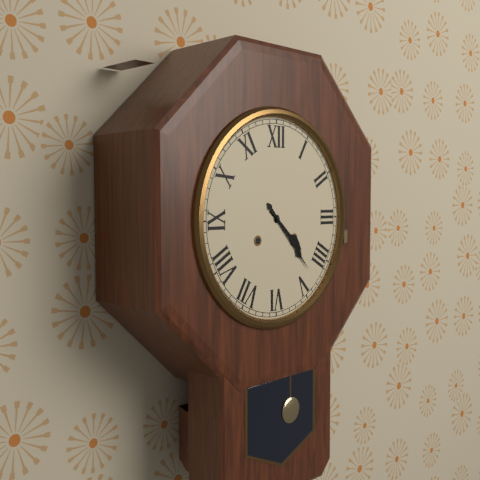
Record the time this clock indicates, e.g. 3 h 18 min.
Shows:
4 h 23 min
